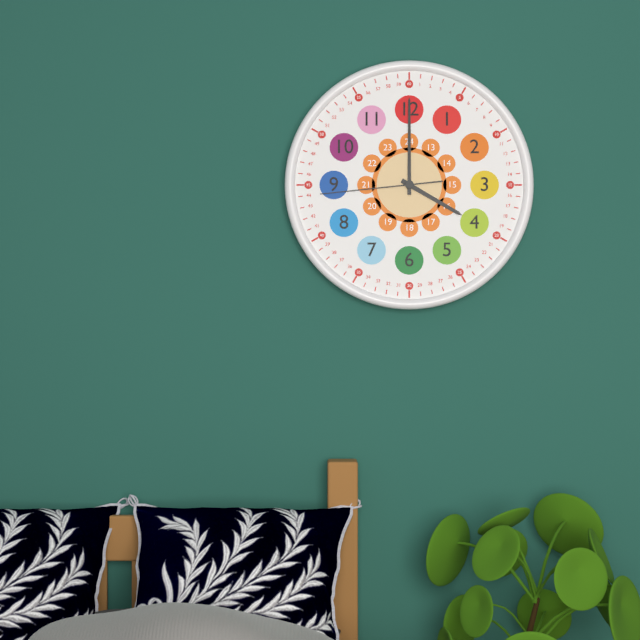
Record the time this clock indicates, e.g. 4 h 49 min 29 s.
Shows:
4 h 00 min 44 s
